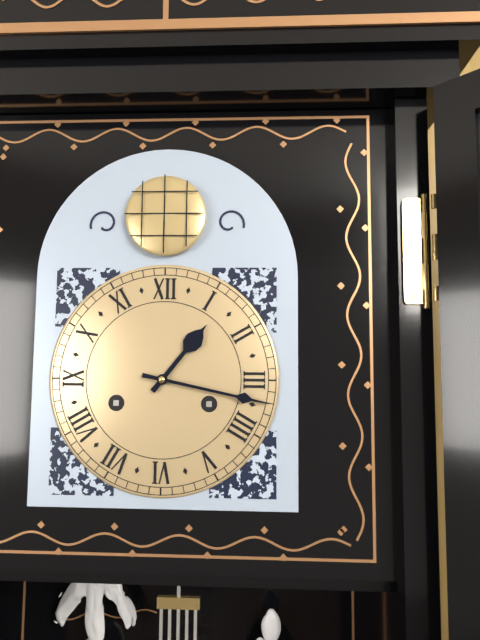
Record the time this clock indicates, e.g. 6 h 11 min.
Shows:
1 h 17 min
